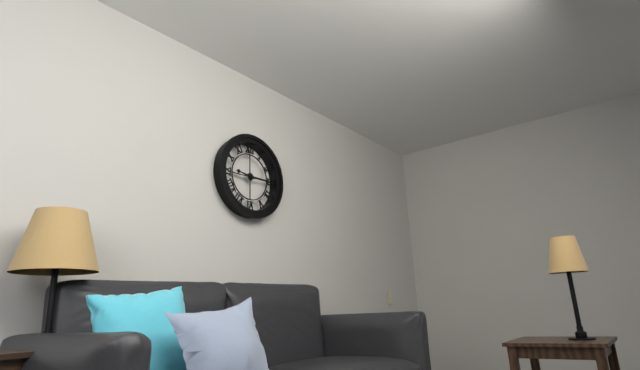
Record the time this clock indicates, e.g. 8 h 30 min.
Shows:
9 h 15 min
